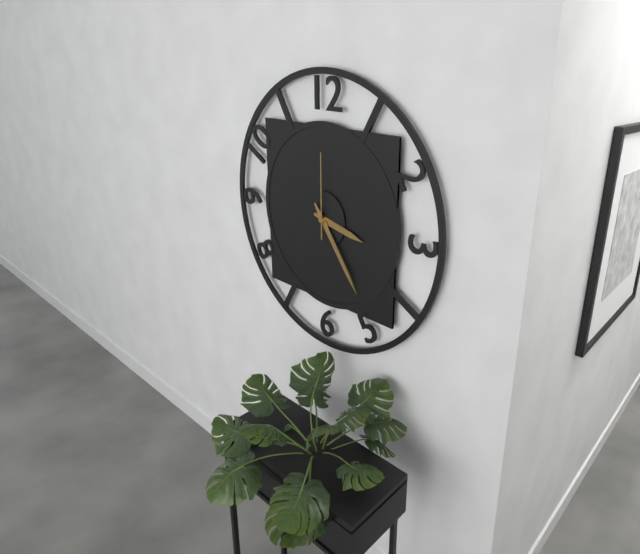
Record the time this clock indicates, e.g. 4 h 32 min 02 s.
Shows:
3 h 24 min 00 s
